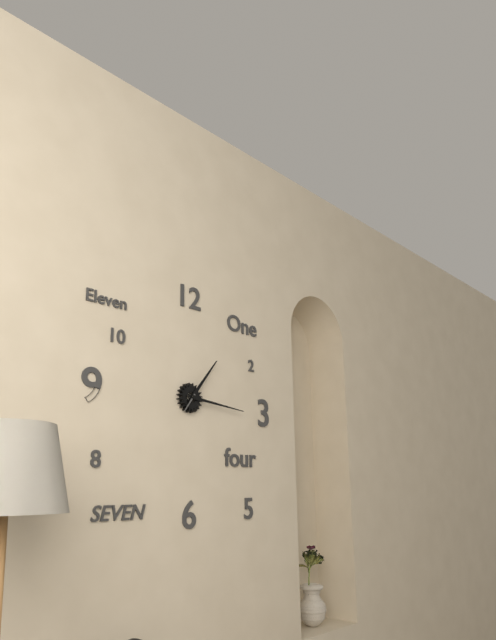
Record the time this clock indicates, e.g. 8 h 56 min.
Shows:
1 h 16 min
